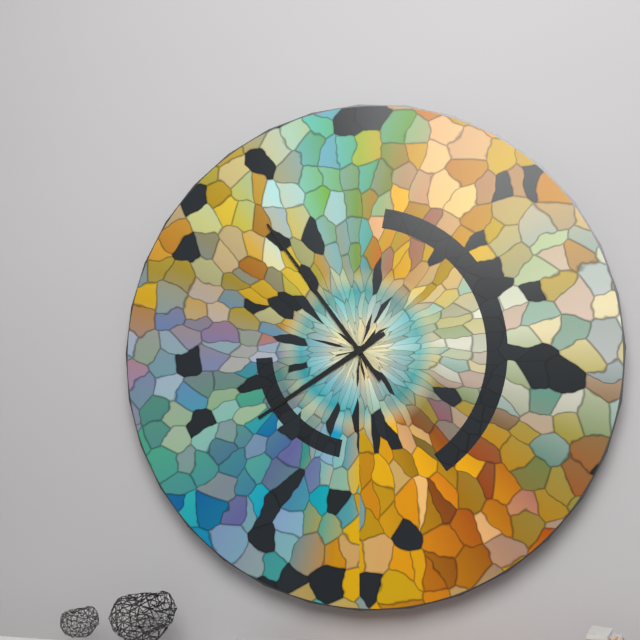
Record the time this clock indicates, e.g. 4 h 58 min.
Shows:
7 h 54 min
